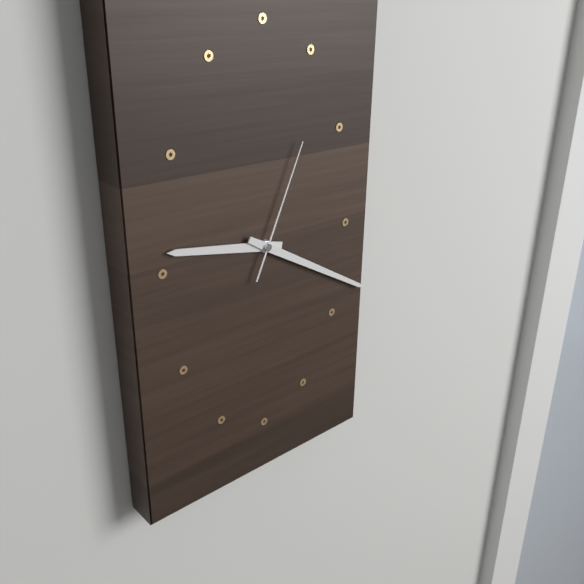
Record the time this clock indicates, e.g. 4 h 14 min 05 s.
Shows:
9 h 20 min 04 s
